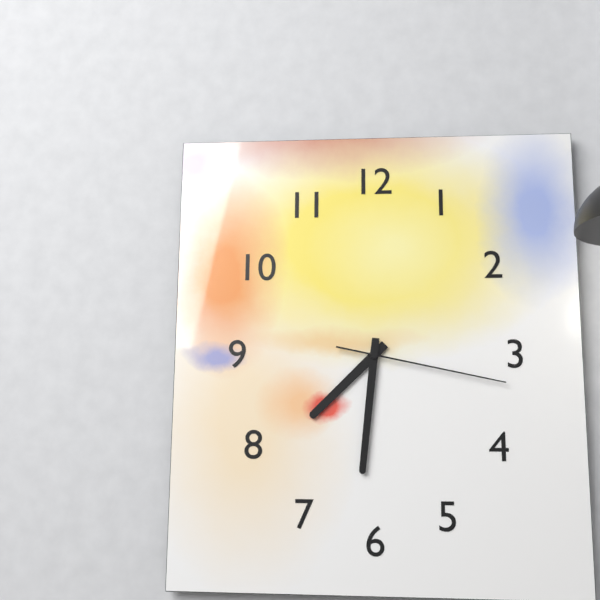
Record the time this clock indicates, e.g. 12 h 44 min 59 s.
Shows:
7 h 31 min 17 s
